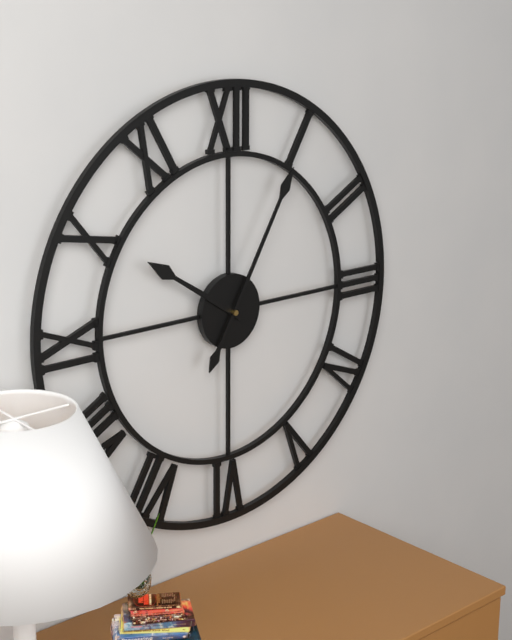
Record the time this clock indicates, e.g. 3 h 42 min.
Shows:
10 h 05 min
